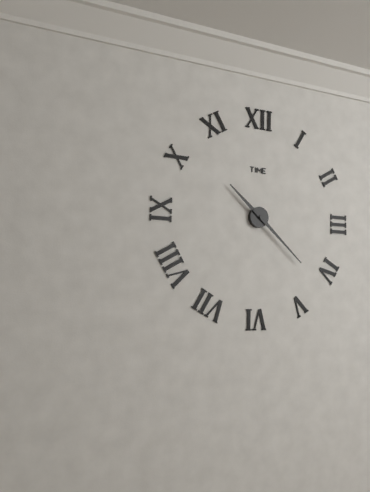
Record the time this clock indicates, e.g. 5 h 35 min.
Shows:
10 h 22 min
